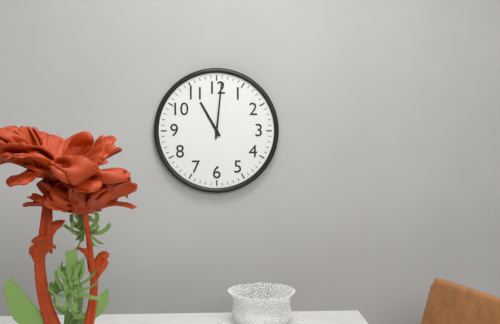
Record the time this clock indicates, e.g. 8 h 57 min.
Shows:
11 h 01 min
